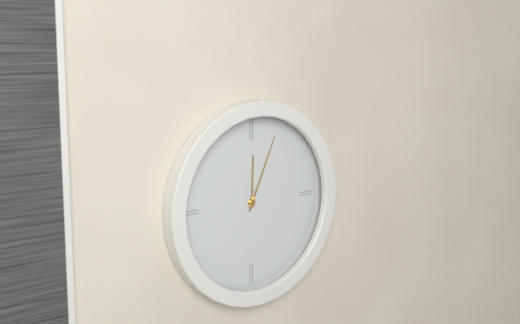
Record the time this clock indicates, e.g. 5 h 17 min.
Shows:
12 h 04 min
